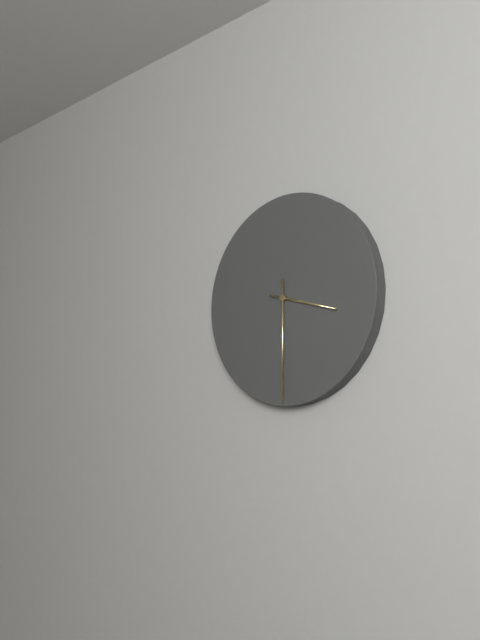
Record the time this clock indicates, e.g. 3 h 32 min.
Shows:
3 h 30 min
